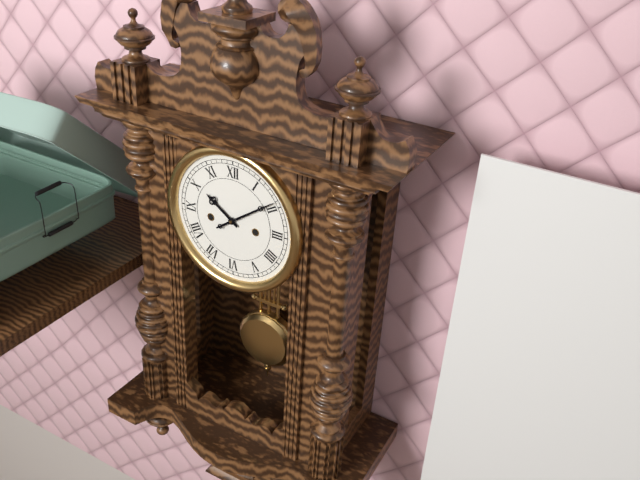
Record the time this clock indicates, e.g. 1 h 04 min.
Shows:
10 h 09 min
